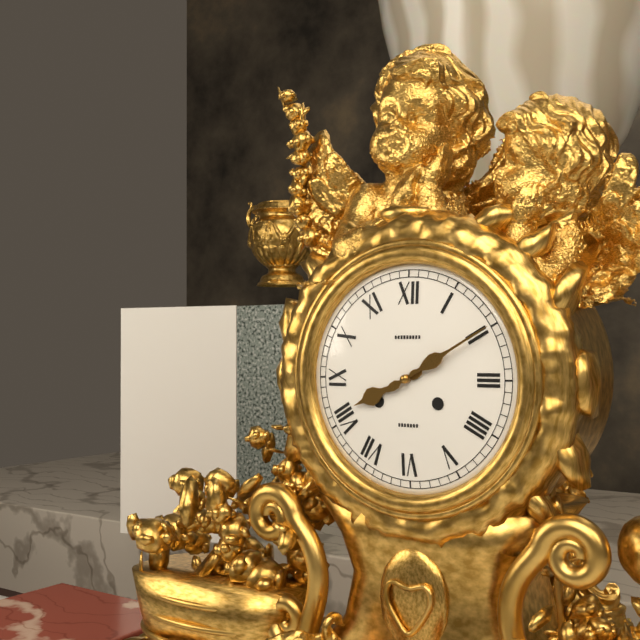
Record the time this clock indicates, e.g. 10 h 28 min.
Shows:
8 h 10 min
